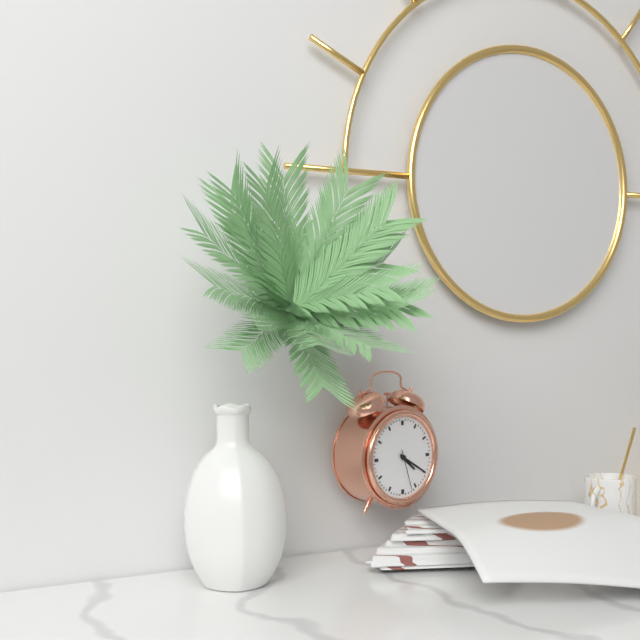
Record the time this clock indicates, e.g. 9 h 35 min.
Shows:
4 h 20 min
